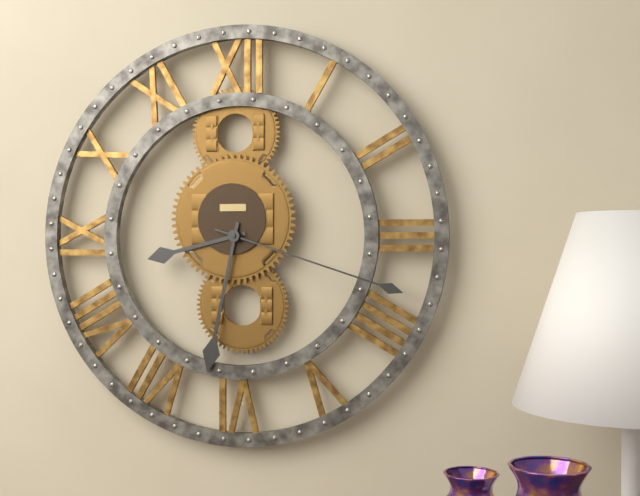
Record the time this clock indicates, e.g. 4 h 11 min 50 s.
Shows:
8 h 32 min 18 s
